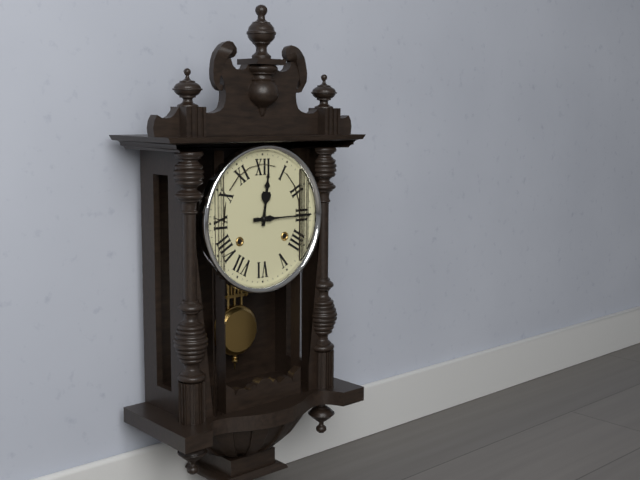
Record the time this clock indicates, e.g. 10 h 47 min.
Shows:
12 h 15 min
